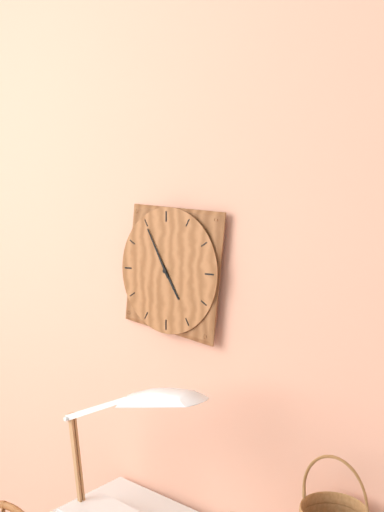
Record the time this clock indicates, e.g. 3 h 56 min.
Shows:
4 h 55 min
